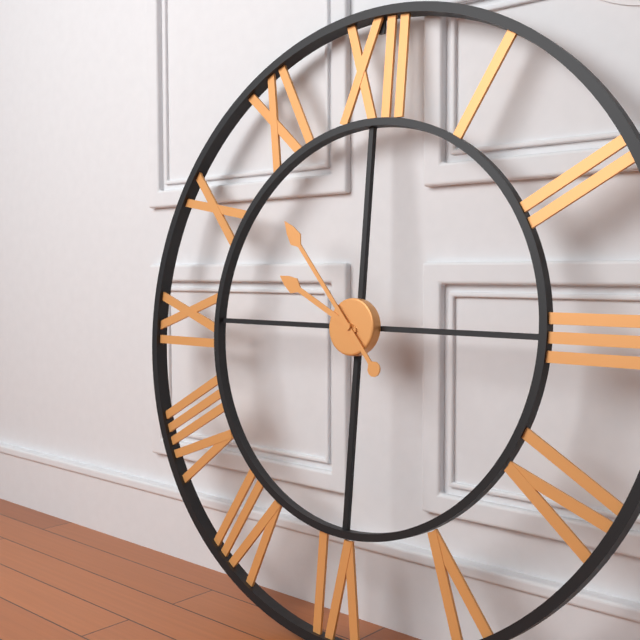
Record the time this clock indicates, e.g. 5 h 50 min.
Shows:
9 h 53 min
